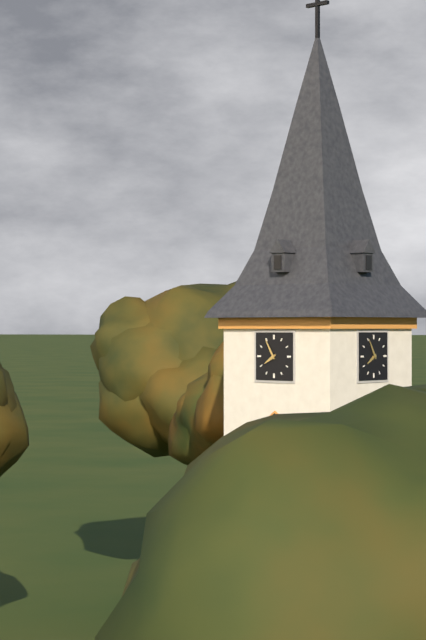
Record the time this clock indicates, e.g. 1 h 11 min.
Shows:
7 h 55 min
